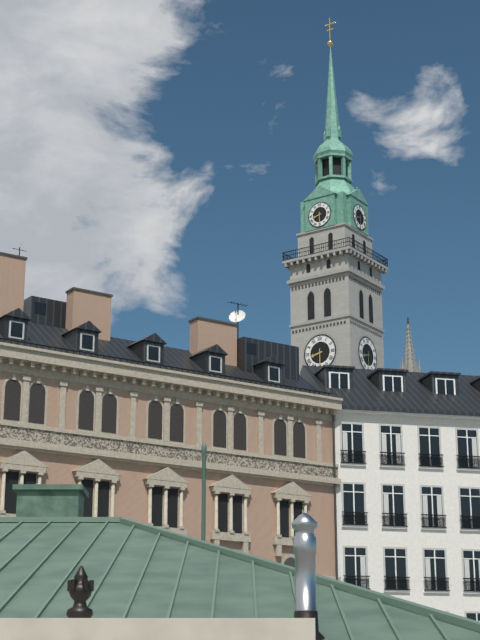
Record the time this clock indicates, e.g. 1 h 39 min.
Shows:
8 h 30 min
